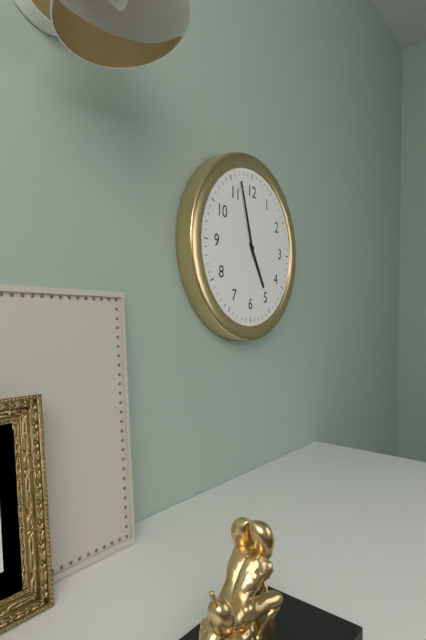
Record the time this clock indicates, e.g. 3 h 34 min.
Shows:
4 h 57 min
